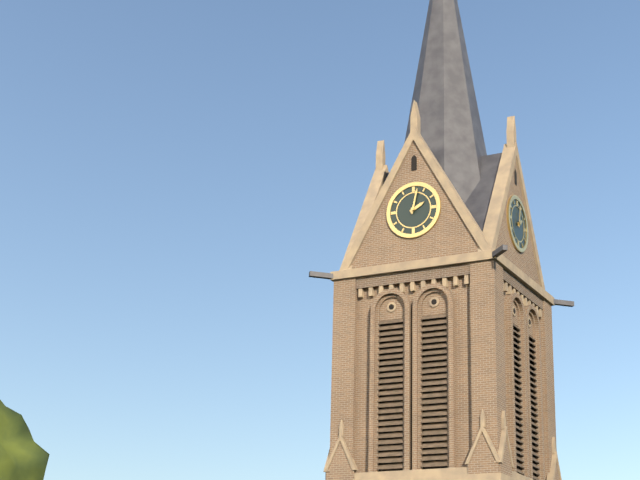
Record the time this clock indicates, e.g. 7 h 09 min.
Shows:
2 h 02 min
